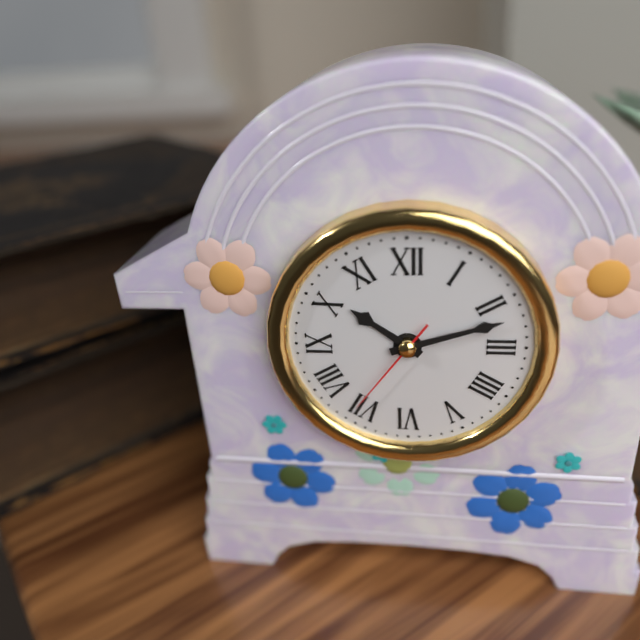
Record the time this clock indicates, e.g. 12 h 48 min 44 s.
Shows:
10 h 12 min 36 s
